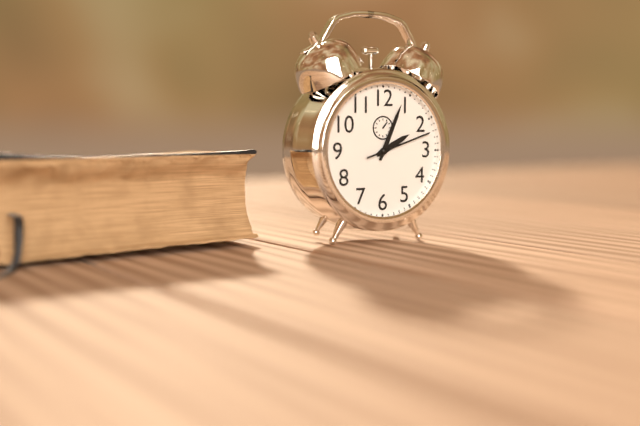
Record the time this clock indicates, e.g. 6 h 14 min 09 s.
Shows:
2 h 04 min 12 s
